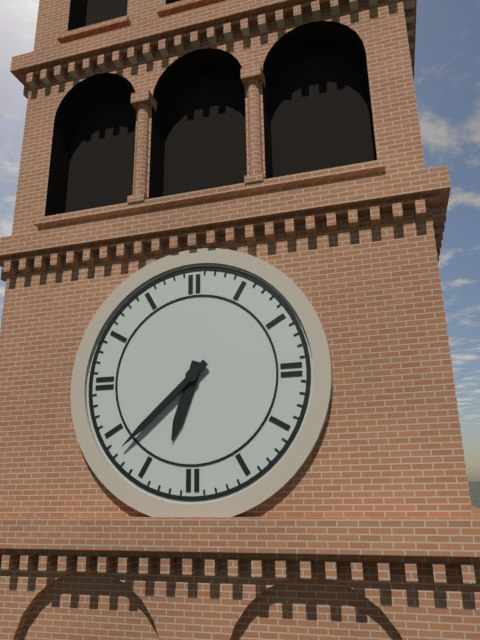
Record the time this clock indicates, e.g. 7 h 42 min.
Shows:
6 h 38 min
